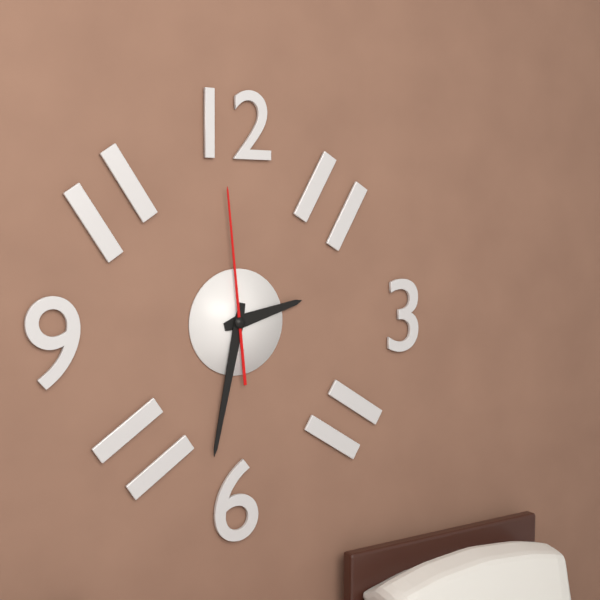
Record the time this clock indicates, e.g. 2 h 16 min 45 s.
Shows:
2 h 32 min 59 s
